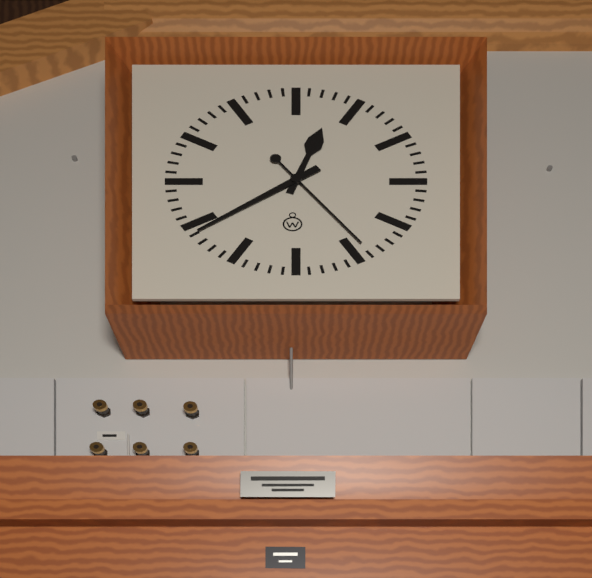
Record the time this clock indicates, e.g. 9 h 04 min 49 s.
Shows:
12 h 39 min 24 s
